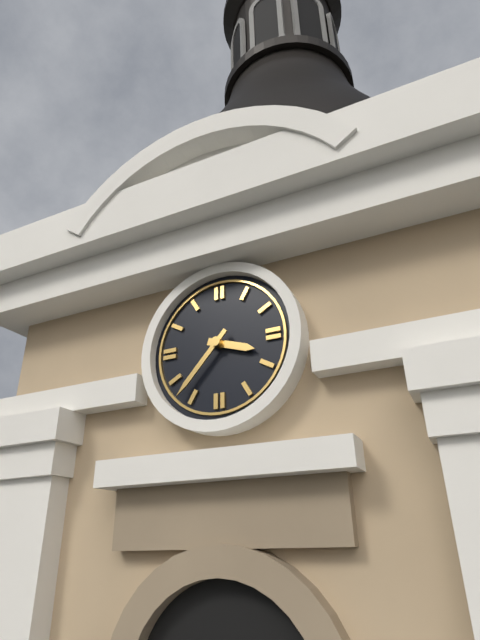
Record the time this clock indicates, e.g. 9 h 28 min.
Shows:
3 h 37 min
